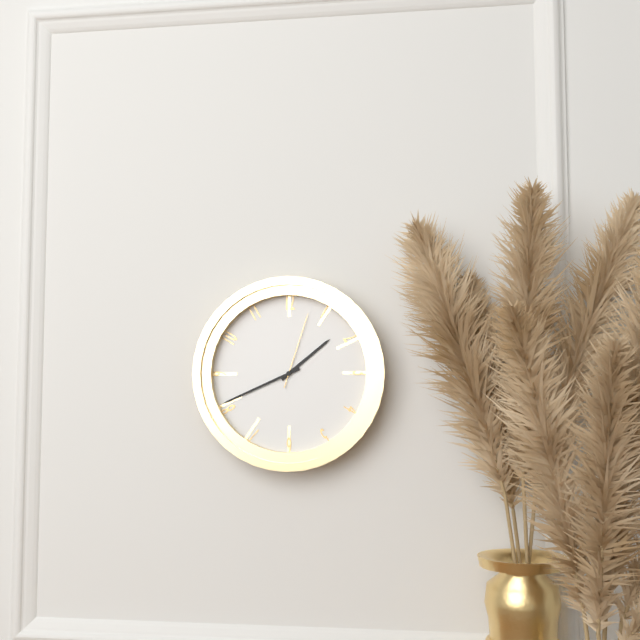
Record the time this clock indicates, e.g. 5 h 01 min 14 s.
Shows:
1 h 41 min 03 s
